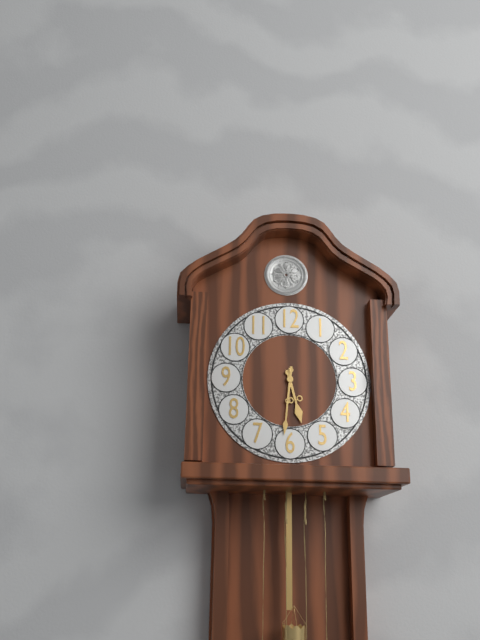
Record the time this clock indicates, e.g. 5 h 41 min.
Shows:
5 h 31 min
